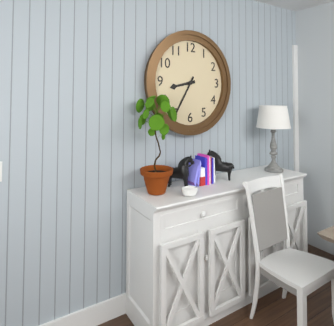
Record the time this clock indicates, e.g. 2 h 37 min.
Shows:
8 h 35 min
